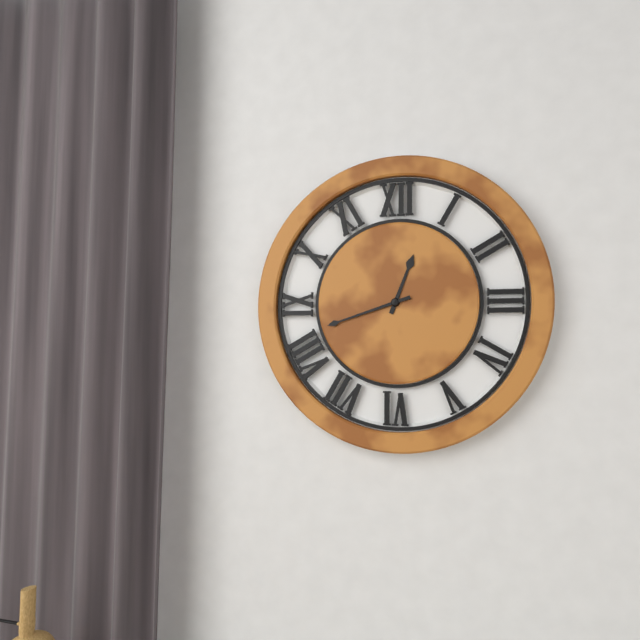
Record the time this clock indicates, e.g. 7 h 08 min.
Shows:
12 h 42 min
